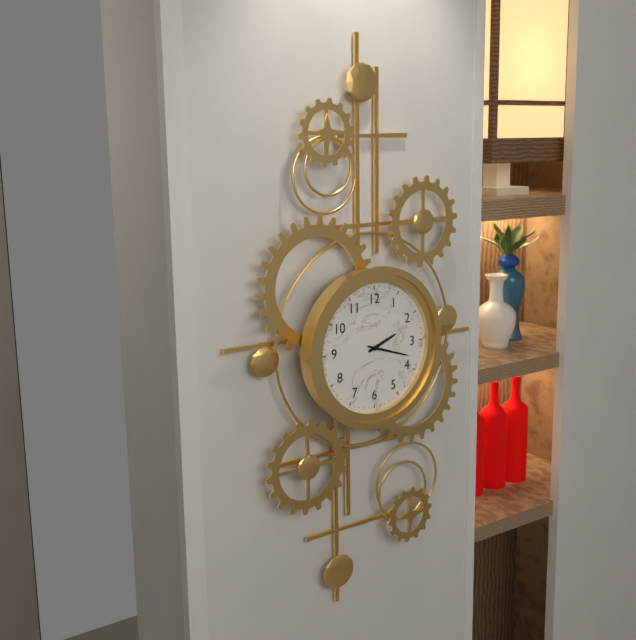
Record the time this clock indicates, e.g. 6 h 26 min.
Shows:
2 h 18 min
